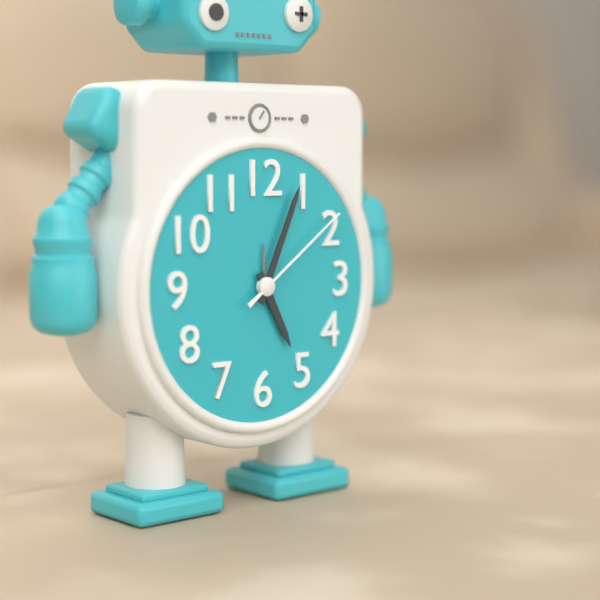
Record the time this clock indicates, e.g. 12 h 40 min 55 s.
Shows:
5 h 04 min 09 s
